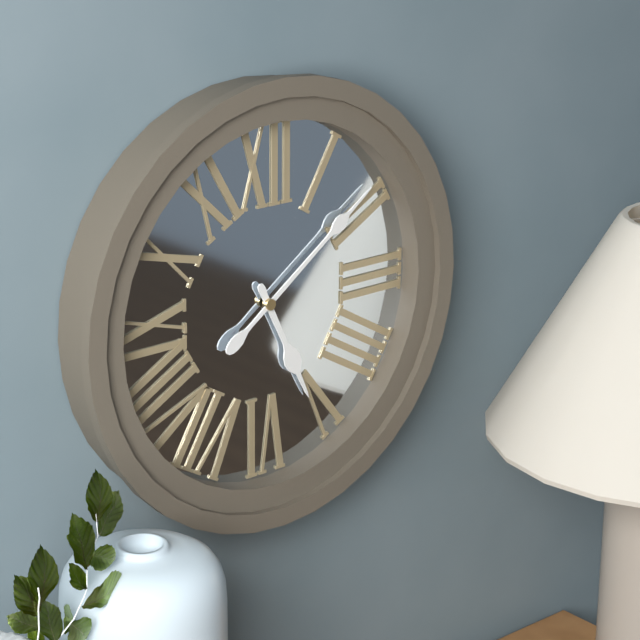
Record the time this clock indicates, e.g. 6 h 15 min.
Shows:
5 h 09 min
